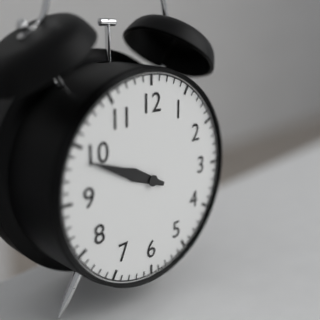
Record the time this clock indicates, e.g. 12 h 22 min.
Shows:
9 h 49 min
